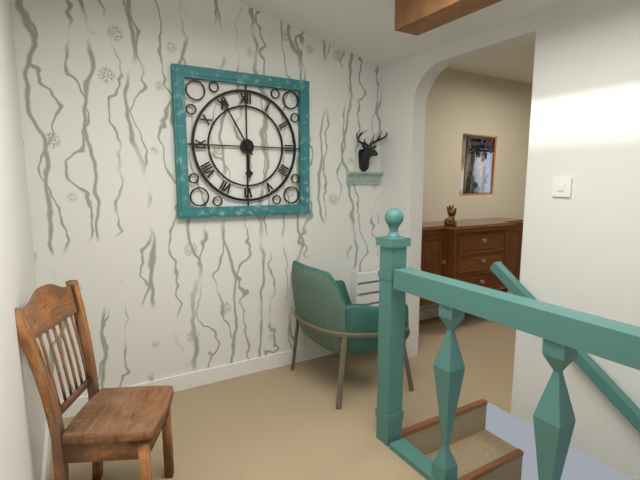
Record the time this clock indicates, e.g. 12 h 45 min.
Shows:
5 h 55 min
